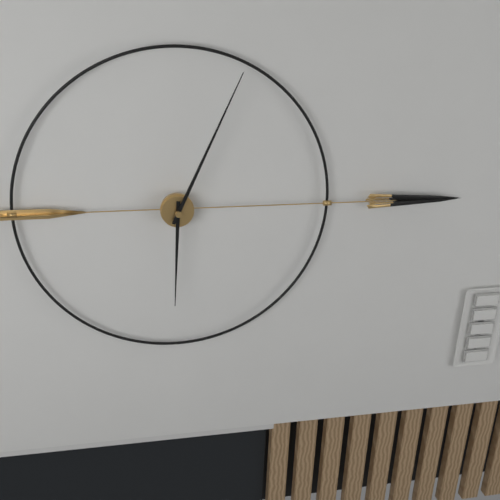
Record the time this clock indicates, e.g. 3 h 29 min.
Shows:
6 h 04 min
